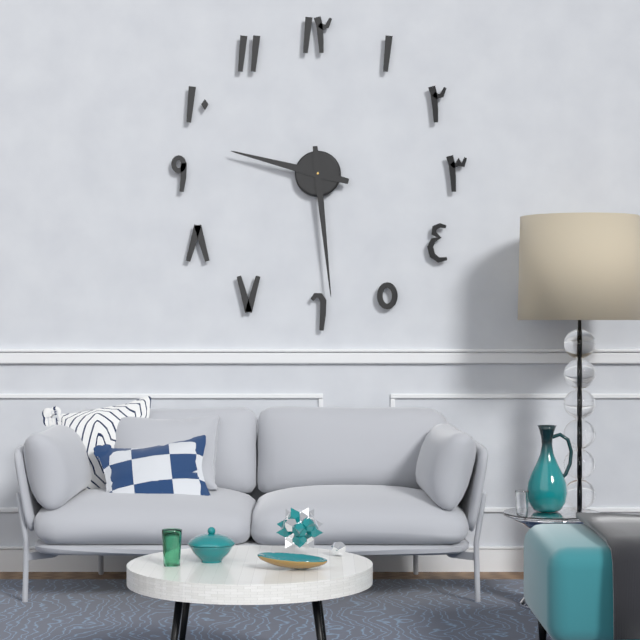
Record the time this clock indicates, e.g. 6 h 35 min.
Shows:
9 h 29 min
